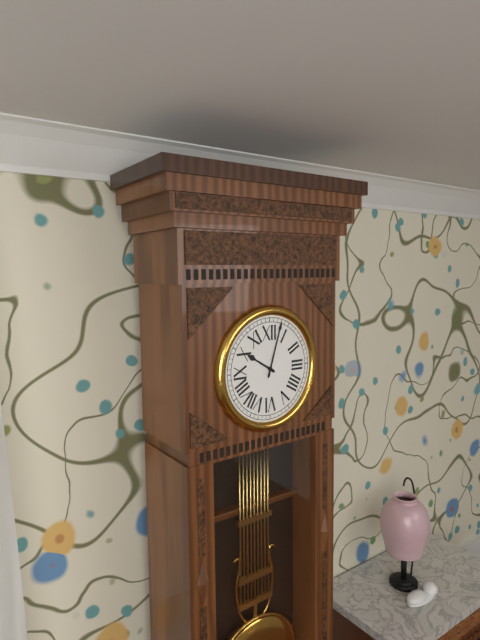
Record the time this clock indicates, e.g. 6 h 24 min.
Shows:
10 h 03 min
